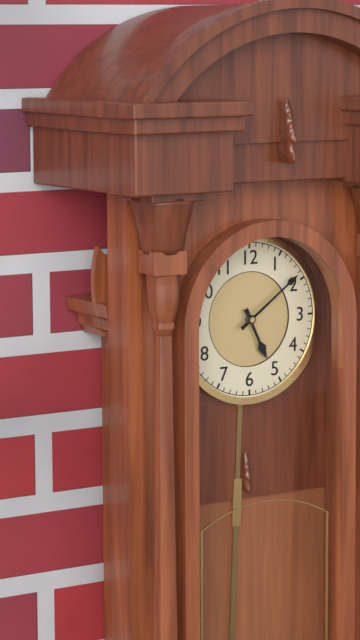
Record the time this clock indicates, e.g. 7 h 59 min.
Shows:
5 h 09 min
